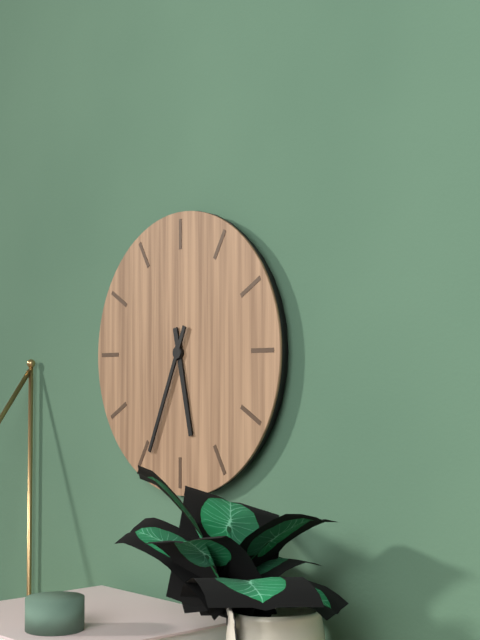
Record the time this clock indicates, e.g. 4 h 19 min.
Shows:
5 h 34 min
